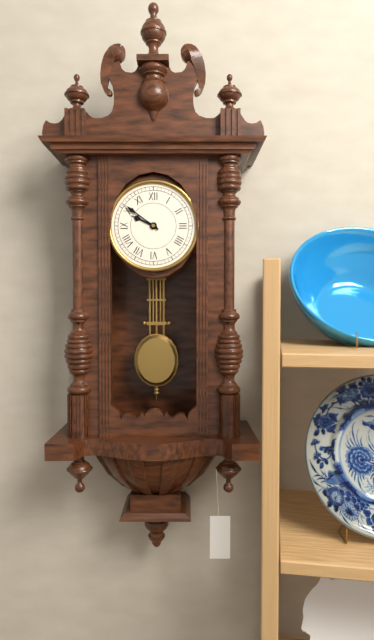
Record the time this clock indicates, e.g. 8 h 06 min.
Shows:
9 h 51 min
